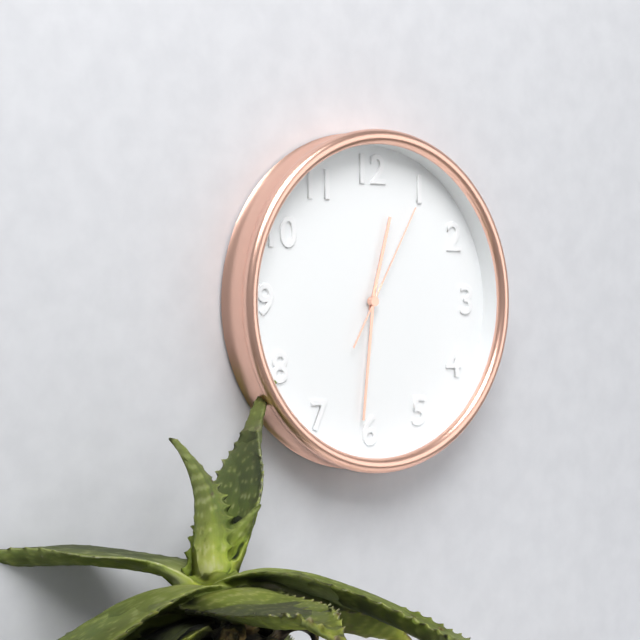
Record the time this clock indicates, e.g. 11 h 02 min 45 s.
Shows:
12 h 31 min 05 s
